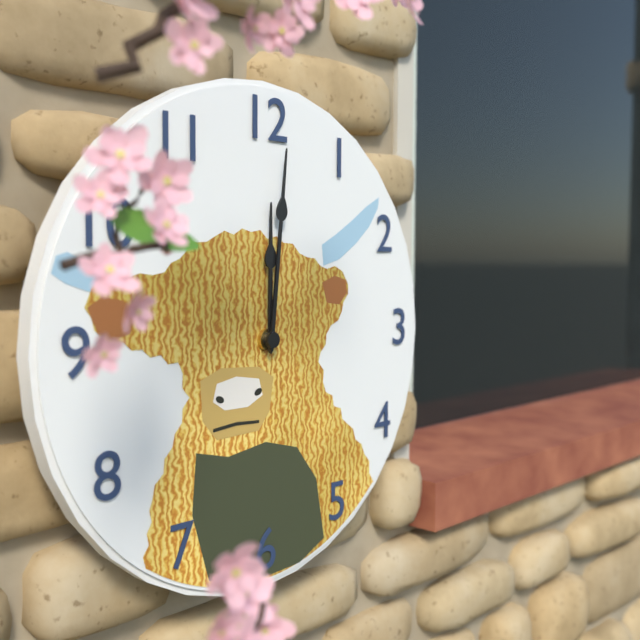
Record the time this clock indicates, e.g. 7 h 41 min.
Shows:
12 h 01 min
